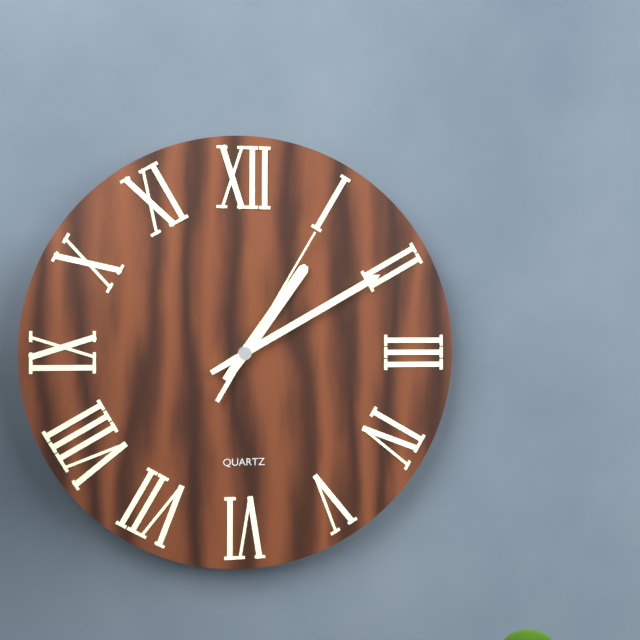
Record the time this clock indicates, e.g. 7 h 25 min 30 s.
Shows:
1 h 10 min 05 s
